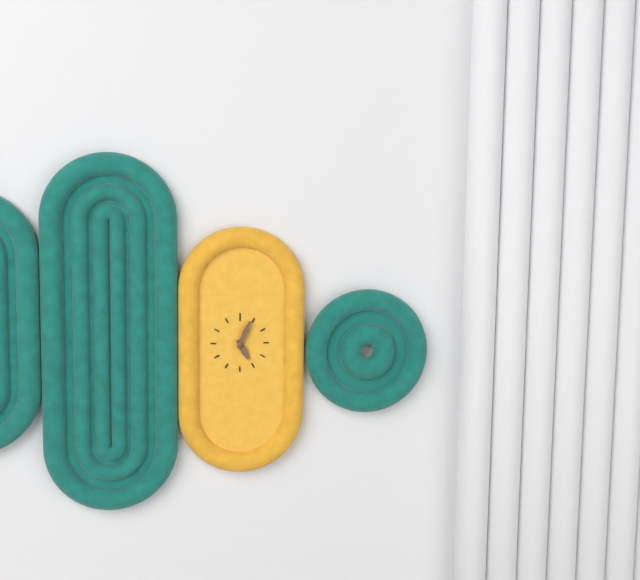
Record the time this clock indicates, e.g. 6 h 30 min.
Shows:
5 h 04 min
